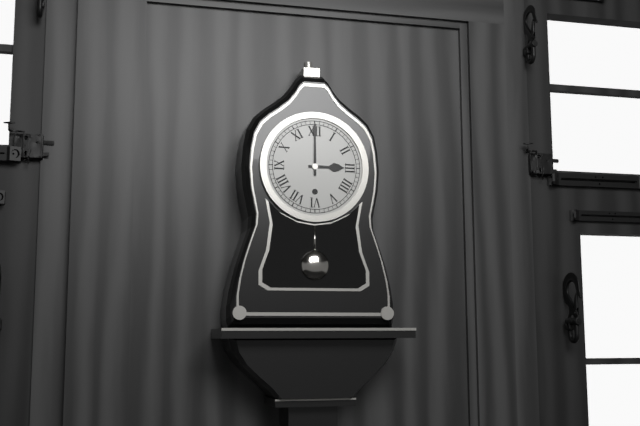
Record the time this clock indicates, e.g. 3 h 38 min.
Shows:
3 h 00 min
